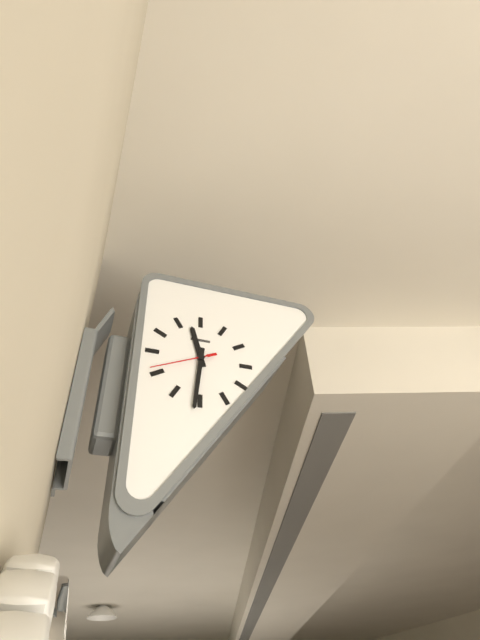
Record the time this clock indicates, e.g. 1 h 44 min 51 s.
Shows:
11 h 31 min 41 s
